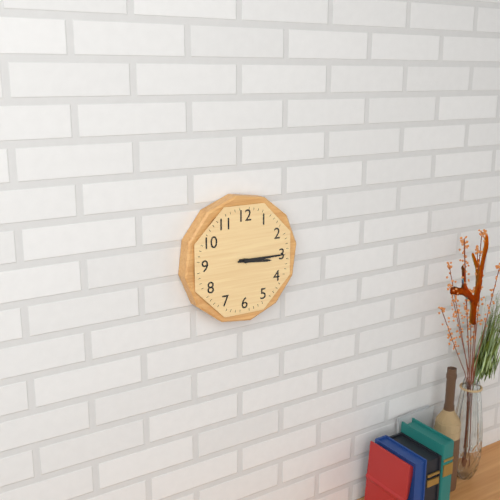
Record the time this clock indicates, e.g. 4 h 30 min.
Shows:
3 h 15 min
